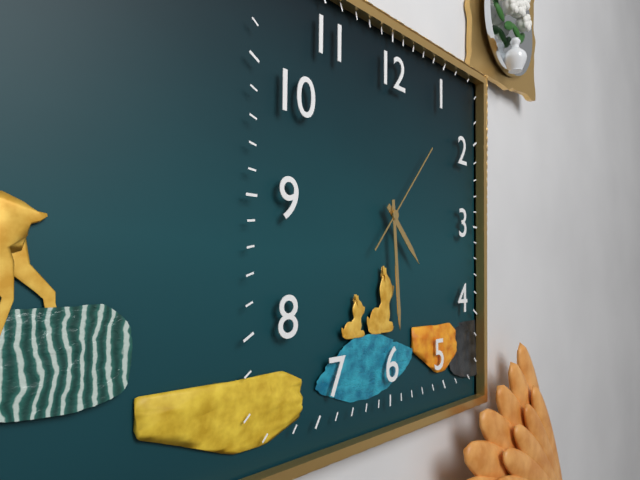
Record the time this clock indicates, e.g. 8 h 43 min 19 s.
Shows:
4 h 29 min 07 s
